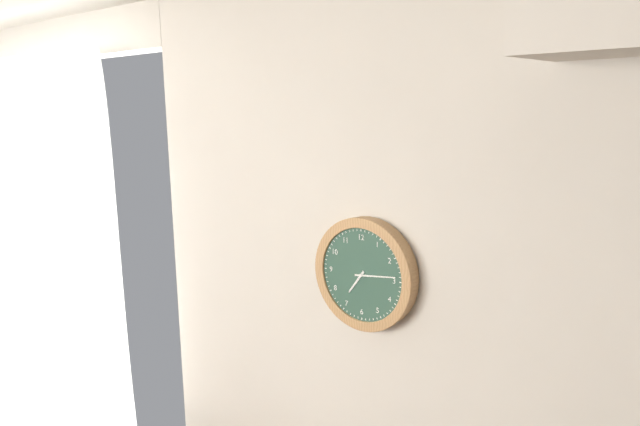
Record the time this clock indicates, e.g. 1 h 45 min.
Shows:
7 h 14 min
